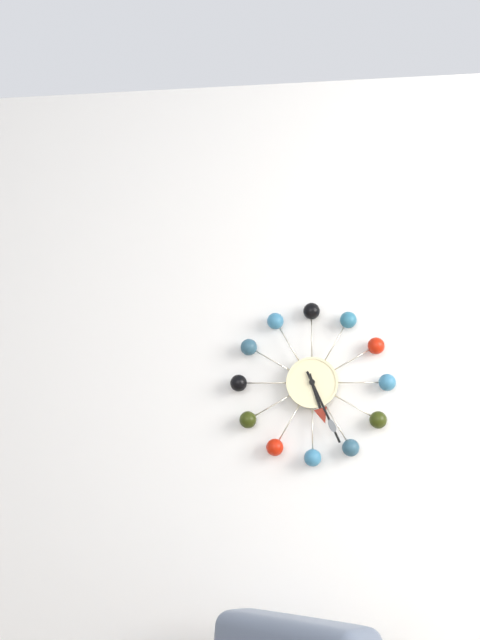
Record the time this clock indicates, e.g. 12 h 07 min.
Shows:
5 h 26 min
